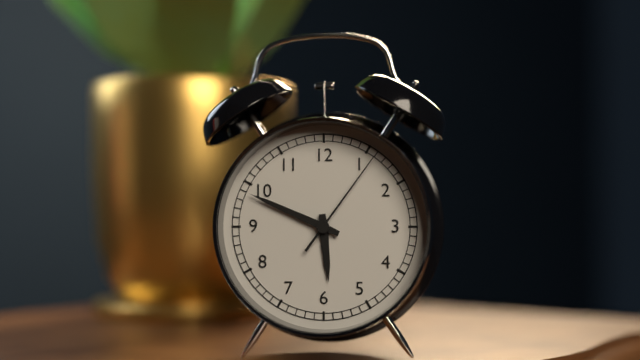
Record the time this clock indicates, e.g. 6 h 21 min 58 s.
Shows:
5 h 49 min 06 s
